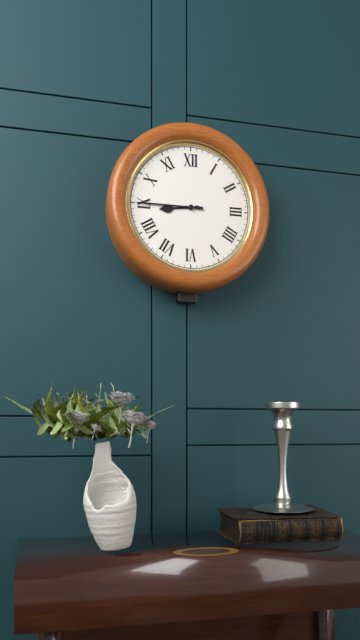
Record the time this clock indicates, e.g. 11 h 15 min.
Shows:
8 h 45 min
